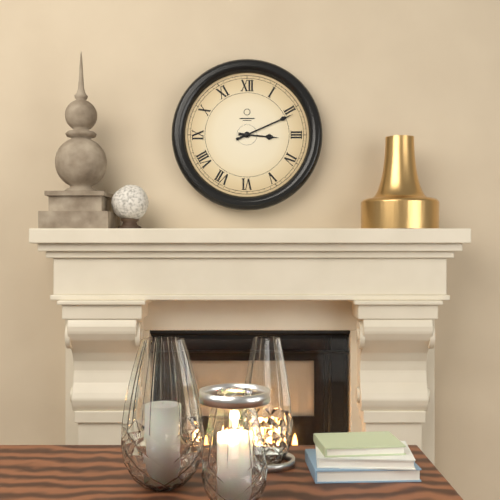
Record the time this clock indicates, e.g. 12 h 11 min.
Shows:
3 h 11 min
